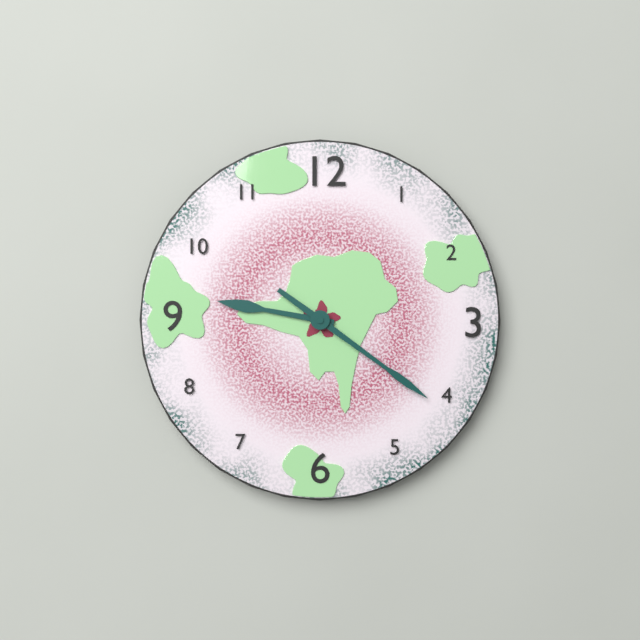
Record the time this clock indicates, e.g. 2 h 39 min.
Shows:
9 h 21 min
